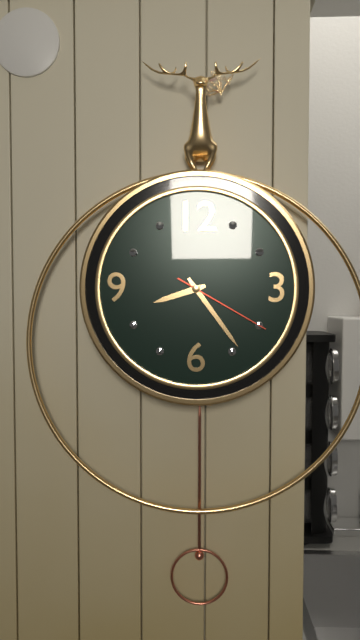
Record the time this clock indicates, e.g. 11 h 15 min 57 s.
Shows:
8 h 24 min 20 s
